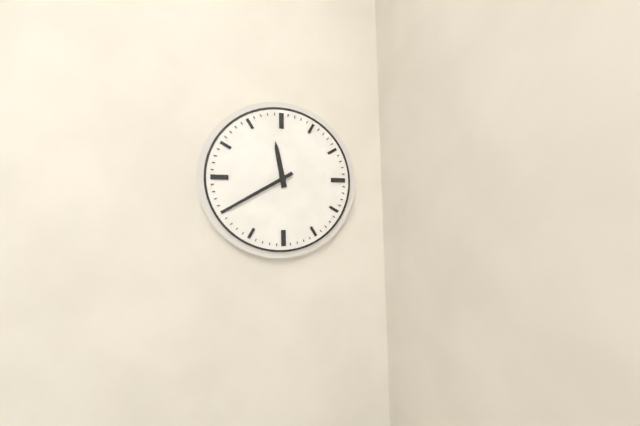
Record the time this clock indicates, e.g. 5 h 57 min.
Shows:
11 h 40 min
